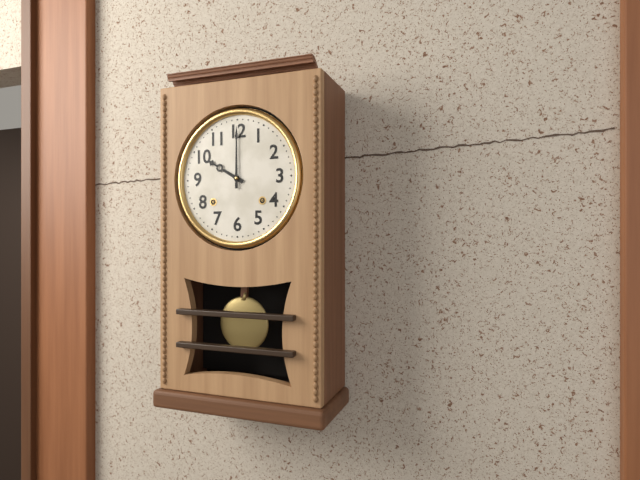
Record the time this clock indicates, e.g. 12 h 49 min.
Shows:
10 h 00 min
